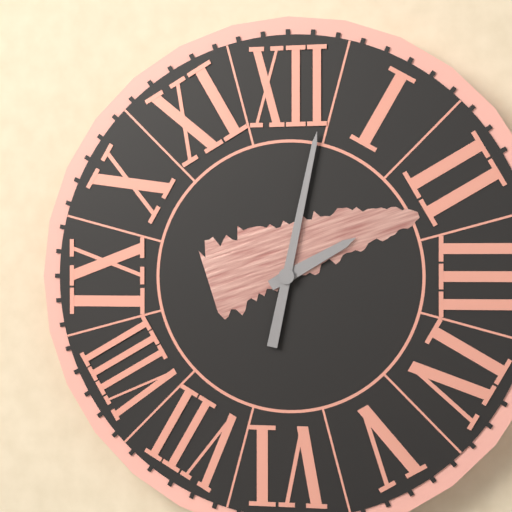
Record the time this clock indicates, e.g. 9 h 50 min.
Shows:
2 h 02 min
